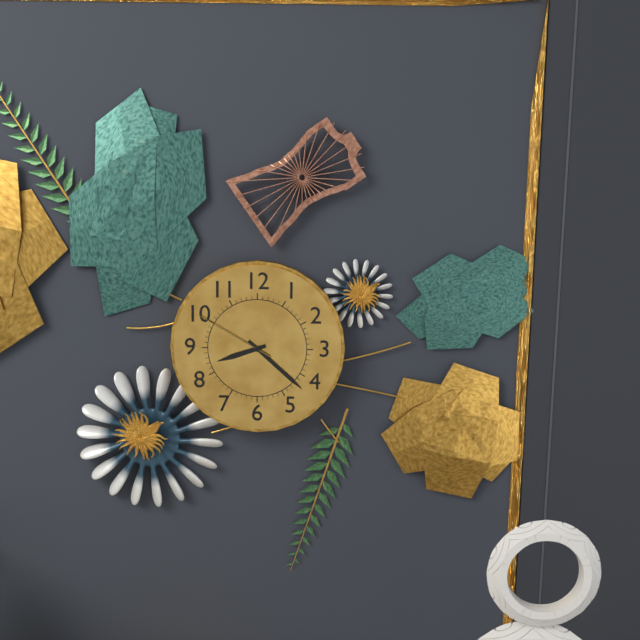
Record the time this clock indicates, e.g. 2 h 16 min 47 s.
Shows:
8 h 22 min 50 s
